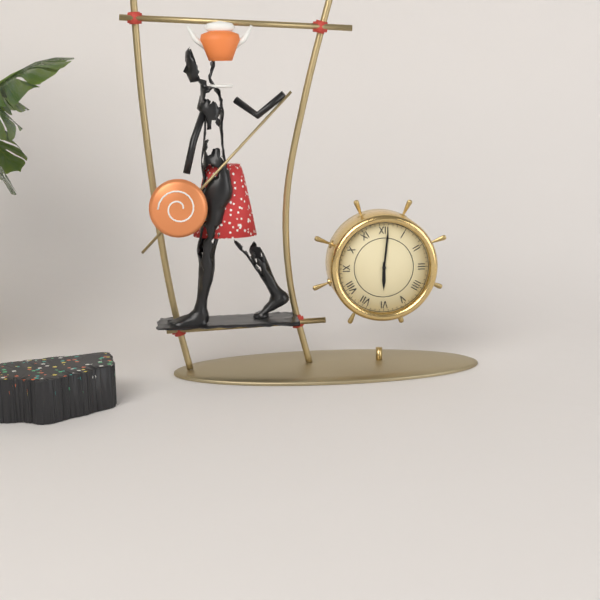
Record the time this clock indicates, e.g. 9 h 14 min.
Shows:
6 h 01 min
